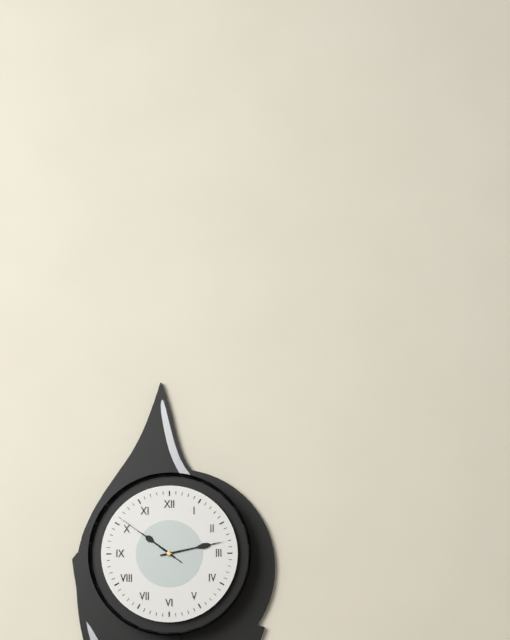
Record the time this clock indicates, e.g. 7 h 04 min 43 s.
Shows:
10 h 13 min 51 s
